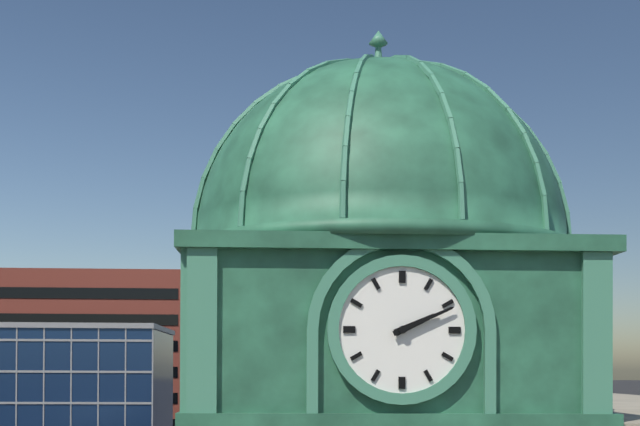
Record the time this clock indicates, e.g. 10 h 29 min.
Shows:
2 h 11 min
